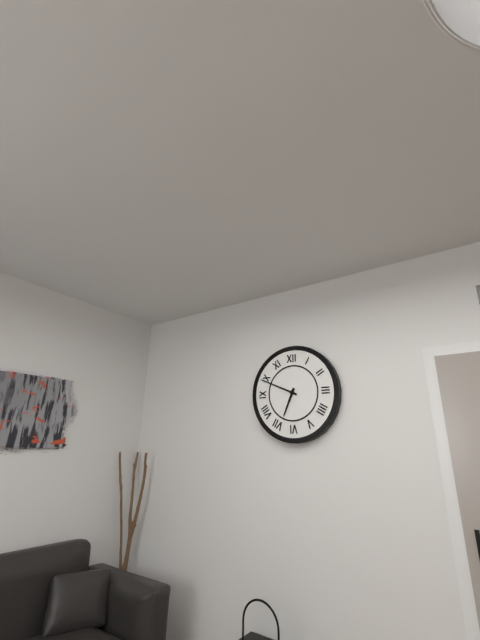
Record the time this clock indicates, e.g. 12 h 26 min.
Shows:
6 h 49 min
